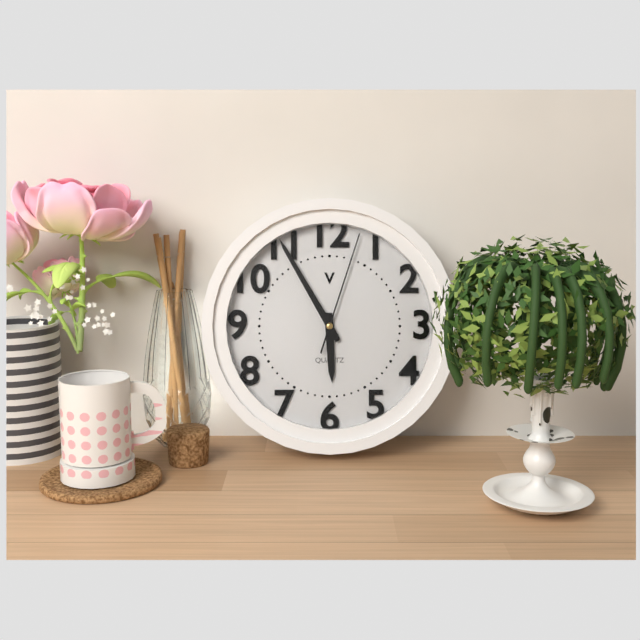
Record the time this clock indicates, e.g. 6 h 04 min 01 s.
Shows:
5 h 55 min 03 s
